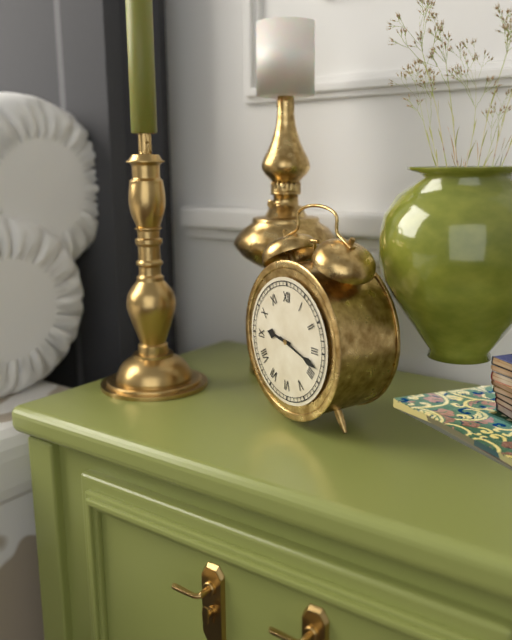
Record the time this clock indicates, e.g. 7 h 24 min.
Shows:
9 h 18 min
